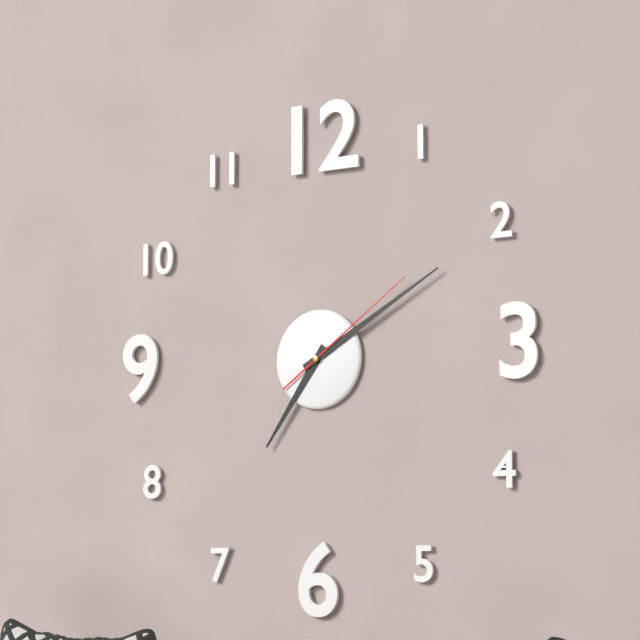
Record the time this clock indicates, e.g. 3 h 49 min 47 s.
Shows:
7 h 10 min 09 s
